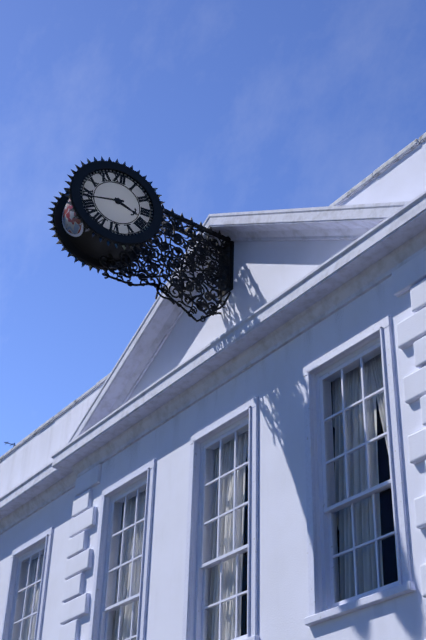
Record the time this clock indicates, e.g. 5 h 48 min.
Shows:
3 h 43 min
